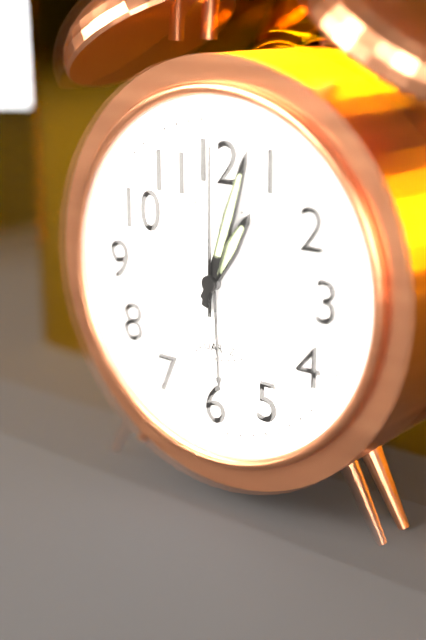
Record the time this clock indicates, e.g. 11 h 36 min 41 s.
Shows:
1 h 03 min 00 s
